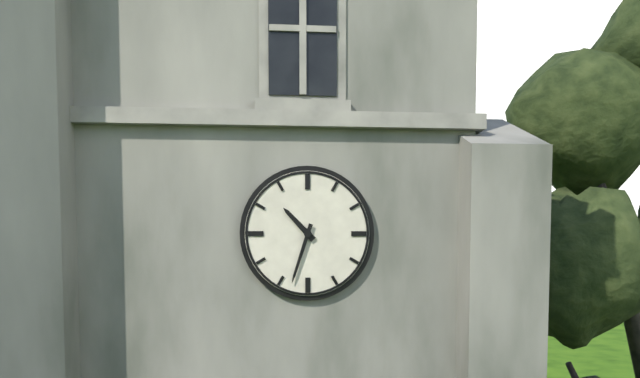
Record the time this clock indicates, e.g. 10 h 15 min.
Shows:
10 h 33 min
